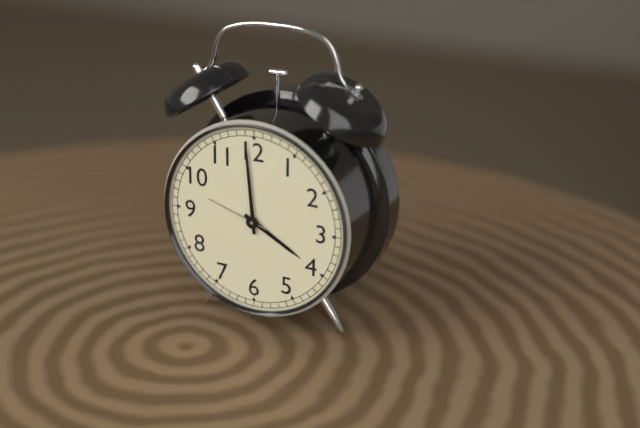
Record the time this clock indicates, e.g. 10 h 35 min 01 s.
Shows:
3 h 59 min 48 s
